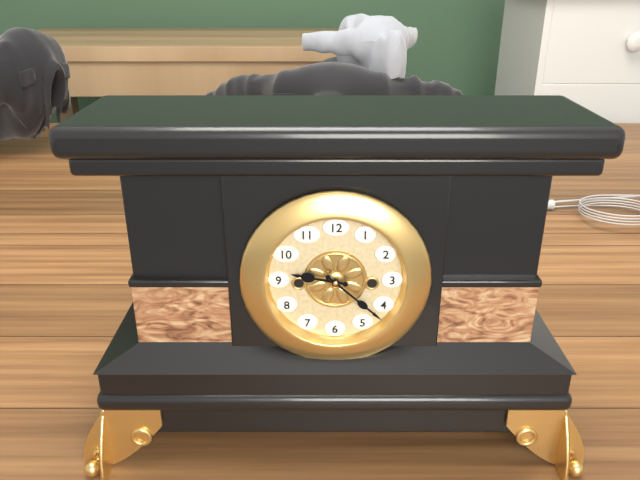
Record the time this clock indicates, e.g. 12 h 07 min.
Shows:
9 h 22 min
